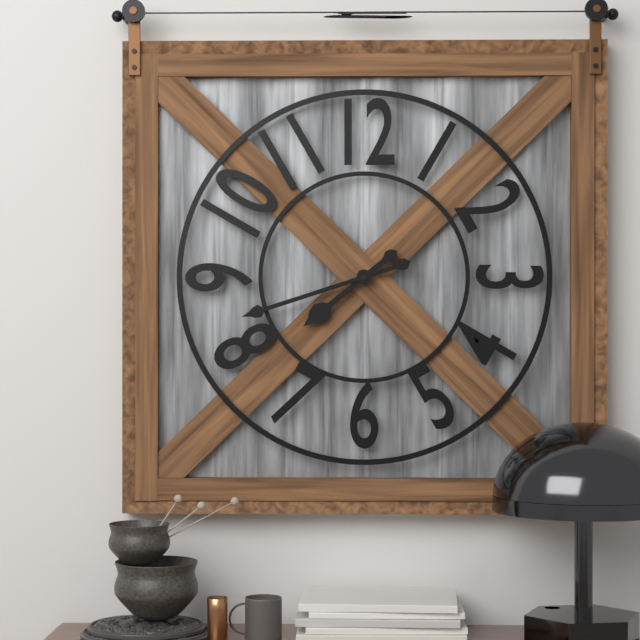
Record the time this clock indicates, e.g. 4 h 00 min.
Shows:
7 h 42 min
